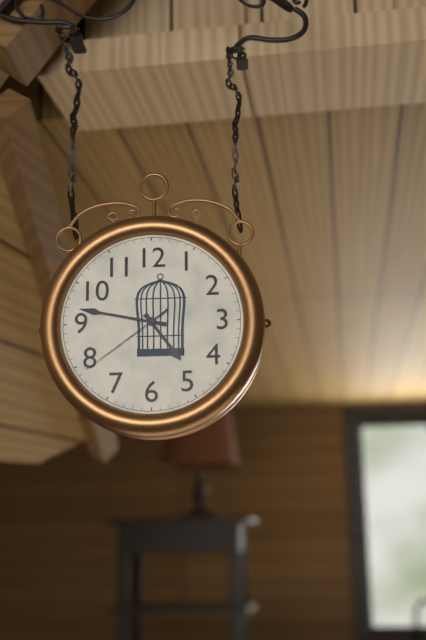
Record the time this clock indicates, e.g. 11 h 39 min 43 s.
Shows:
4 h 47 min 39 s
